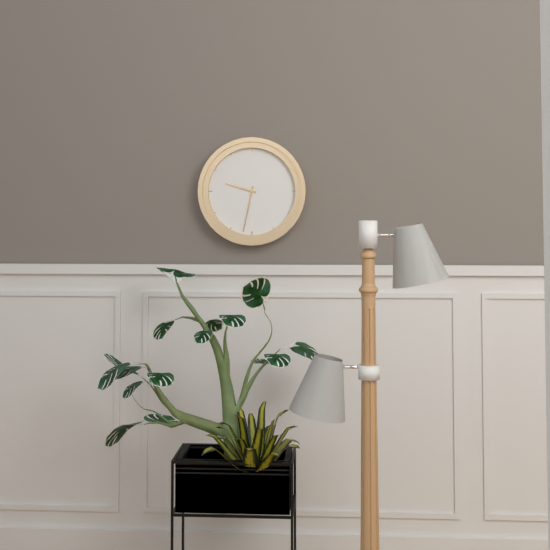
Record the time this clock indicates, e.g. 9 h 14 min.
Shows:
9 h 32 min
